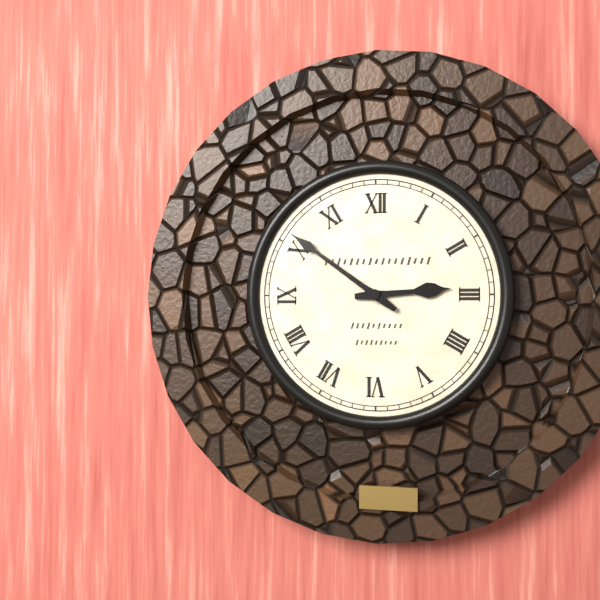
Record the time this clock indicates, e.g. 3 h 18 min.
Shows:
2 h 51 min
